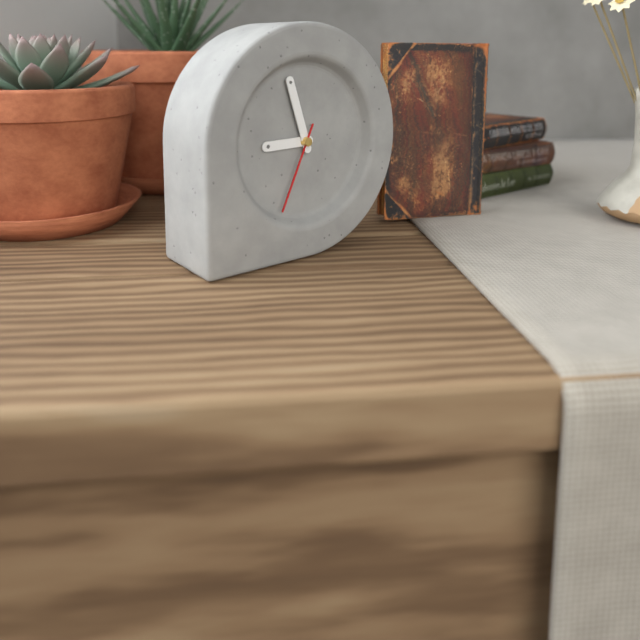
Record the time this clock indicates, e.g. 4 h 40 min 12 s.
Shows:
8 h 57 min 34 s
